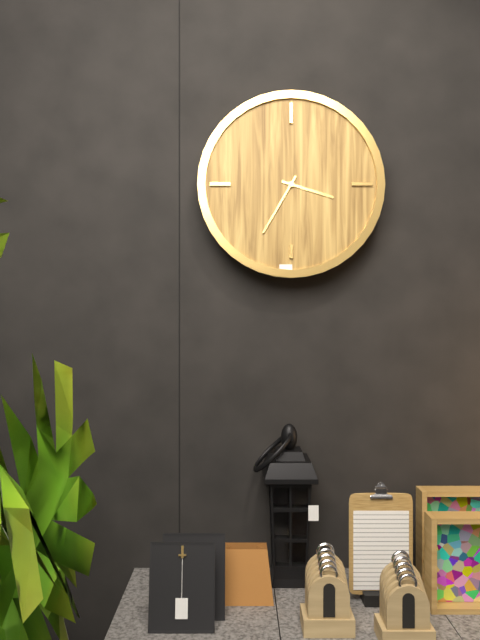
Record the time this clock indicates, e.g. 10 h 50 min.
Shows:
3 h 35 min
